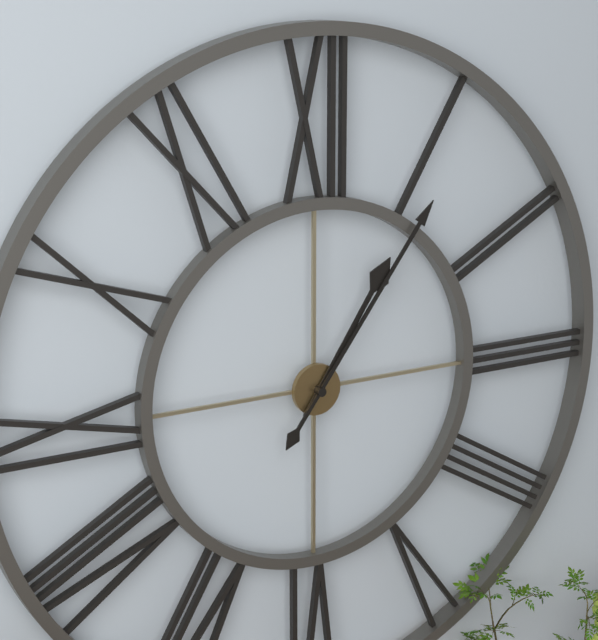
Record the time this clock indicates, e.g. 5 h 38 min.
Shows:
1 h 06 min
